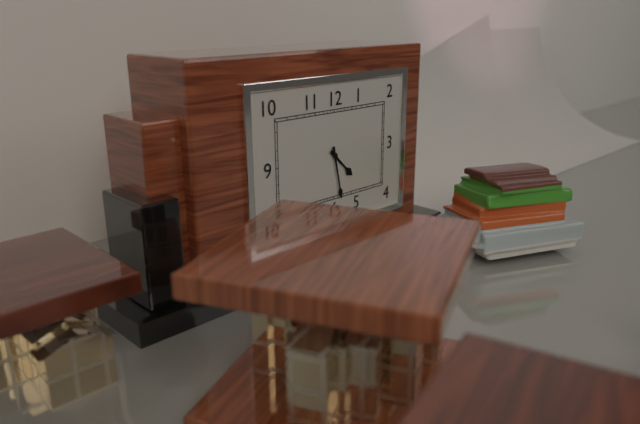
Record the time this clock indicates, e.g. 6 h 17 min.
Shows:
4 h 28 min
